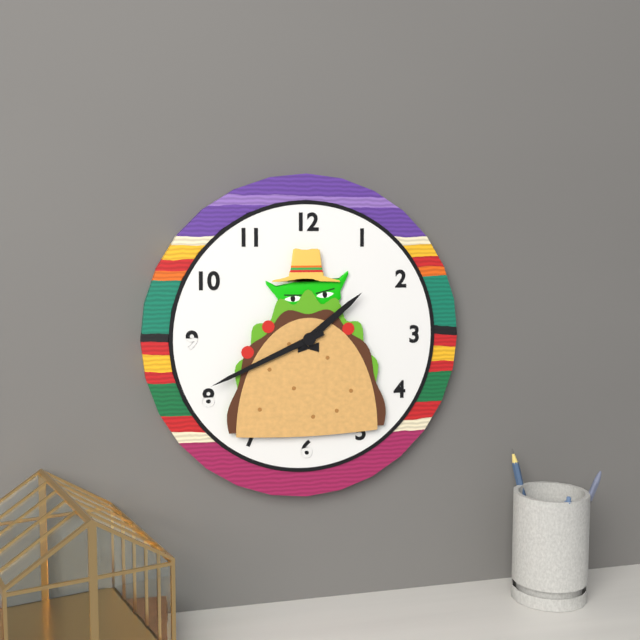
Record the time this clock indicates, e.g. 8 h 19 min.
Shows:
1 h 41 min
